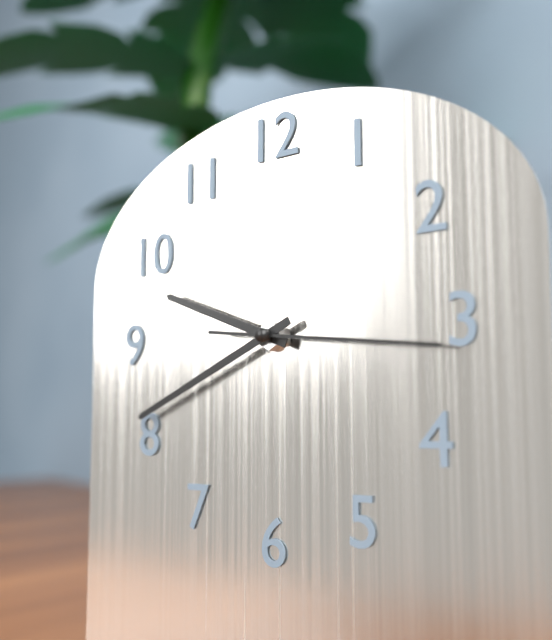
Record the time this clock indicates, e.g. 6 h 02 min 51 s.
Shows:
9 h 41 min 16 s
